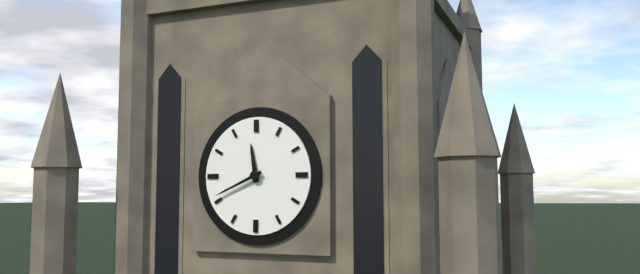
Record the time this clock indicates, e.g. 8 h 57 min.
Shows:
11 h 41 min
